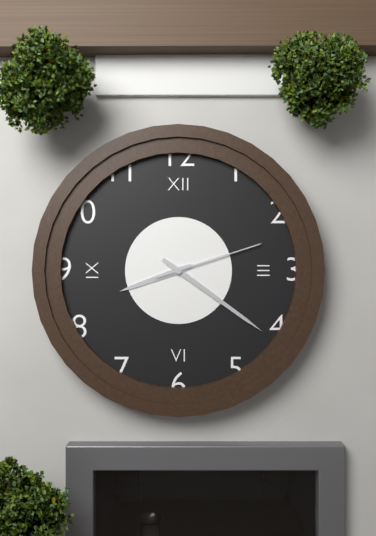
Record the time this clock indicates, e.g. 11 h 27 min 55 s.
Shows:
8 h 21 min 12 s
